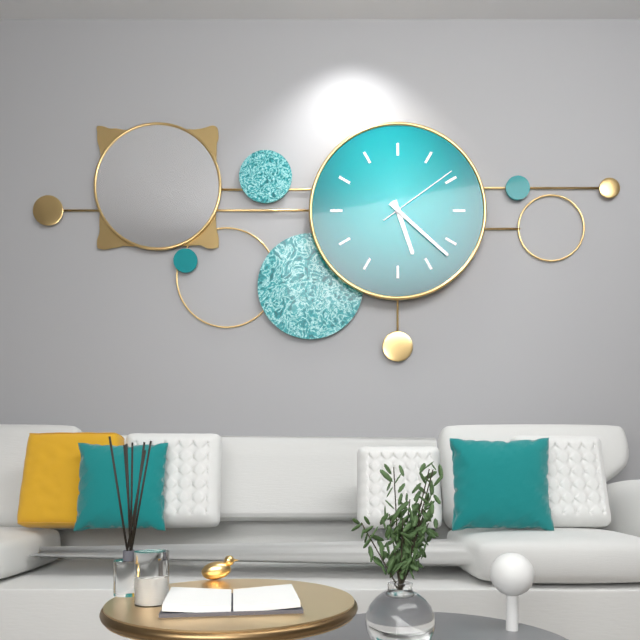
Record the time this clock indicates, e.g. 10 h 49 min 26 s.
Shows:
5 h 22 min 09 s
